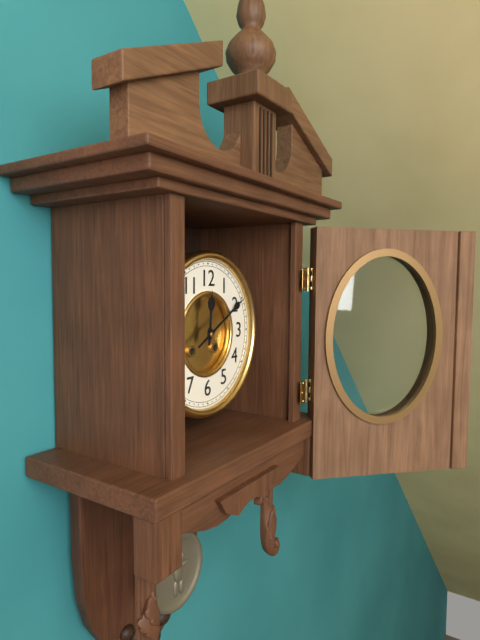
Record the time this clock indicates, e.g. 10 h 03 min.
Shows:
12 h 10 min
